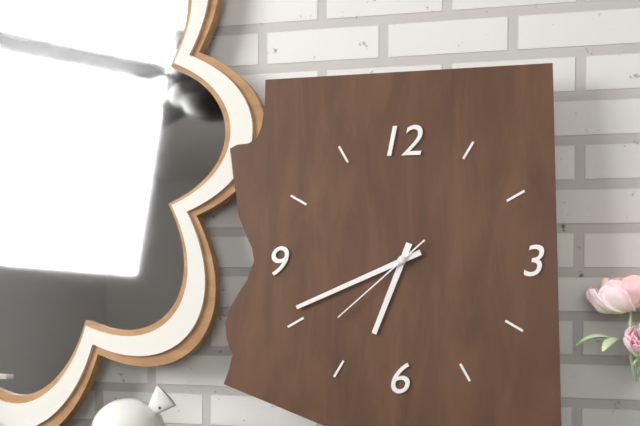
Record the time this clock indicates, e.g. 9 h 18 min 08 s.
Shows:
6 h 41 min 38 s
